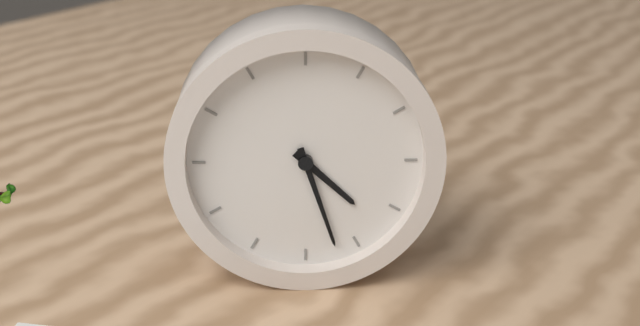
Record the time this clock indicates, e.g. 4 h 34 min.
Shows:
4 h 27 min
